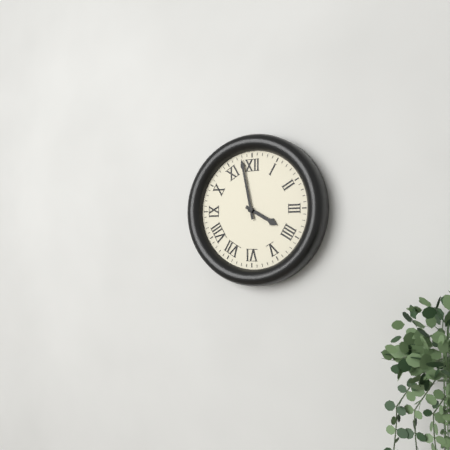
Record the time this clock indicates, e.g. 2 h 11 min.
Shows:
3 h 58 min
